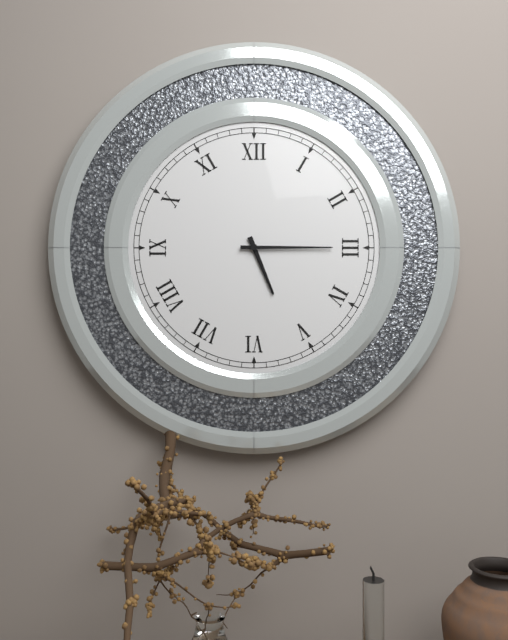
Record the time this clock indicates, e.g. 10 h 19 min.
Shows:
5 h 15 min
